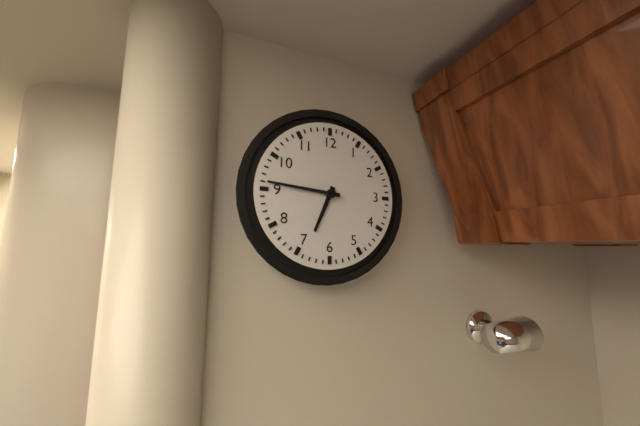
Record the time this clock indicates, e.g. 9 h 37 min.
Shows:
6 h 46 min
